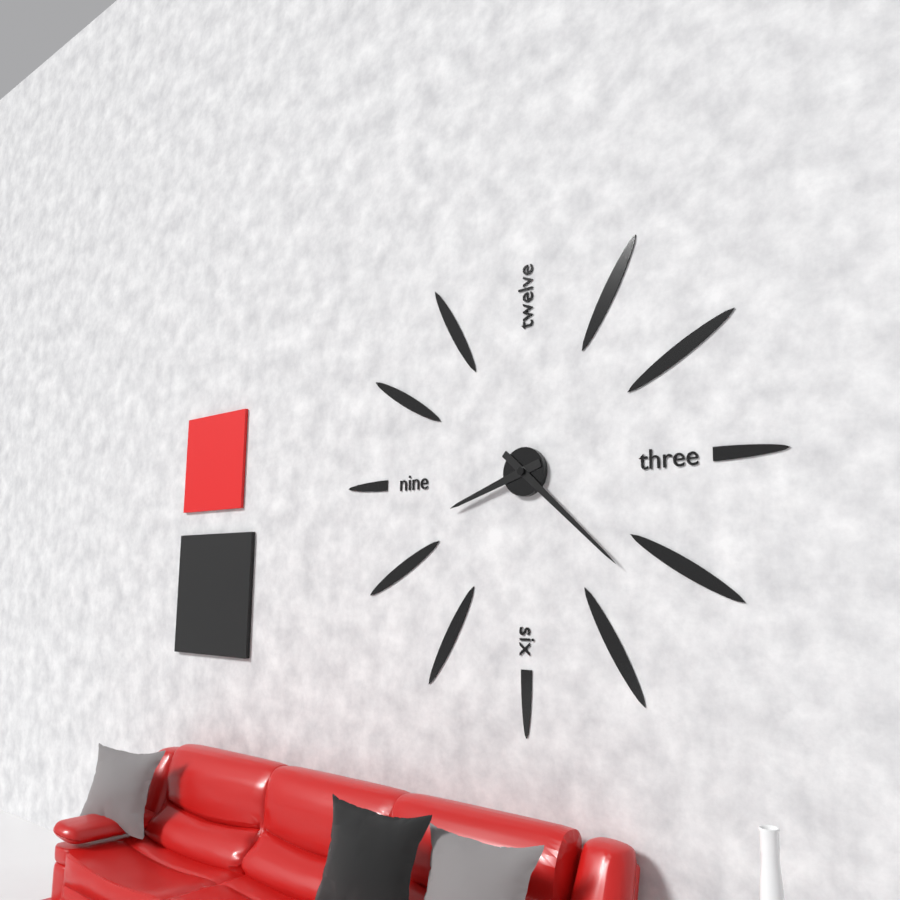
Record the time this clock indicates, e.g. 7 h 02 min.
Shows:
8 h 22 min
